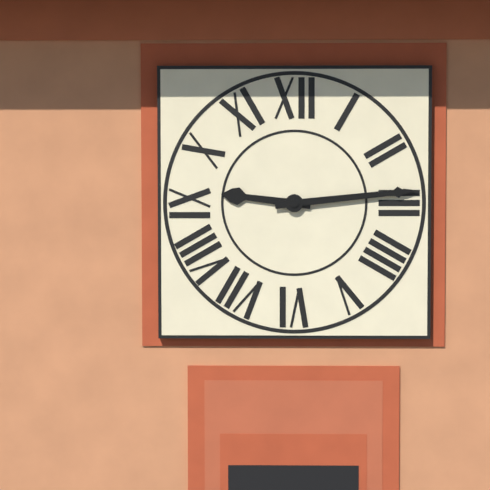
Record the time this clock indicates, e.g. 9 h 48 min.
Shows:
9 h 14 min
